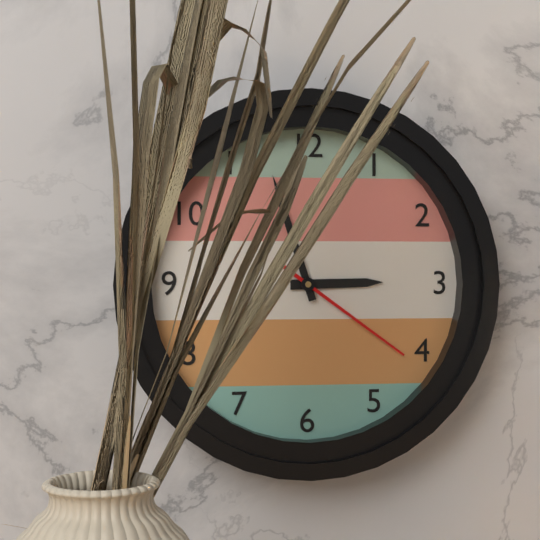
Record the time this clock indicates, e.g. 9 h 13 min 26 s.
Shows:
2 h 57 min 21 s
